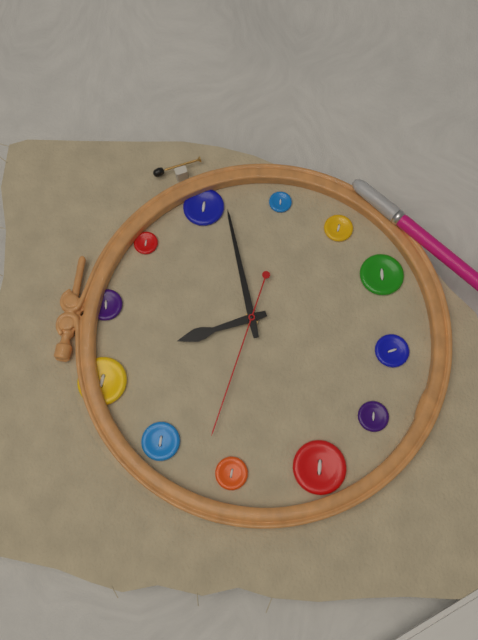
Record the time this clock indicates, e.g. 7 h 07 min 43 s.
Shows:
11 h 12 min 47 s
